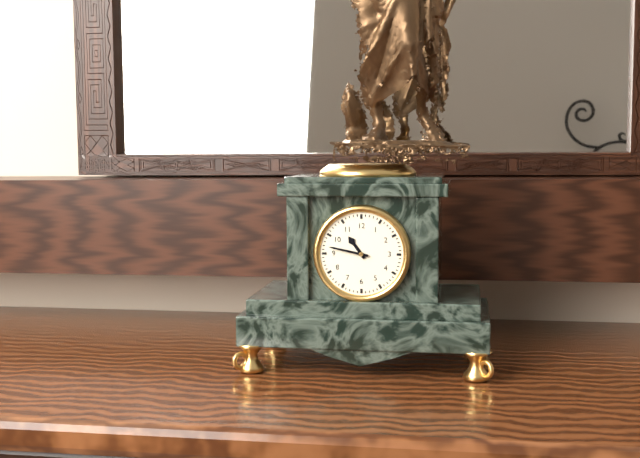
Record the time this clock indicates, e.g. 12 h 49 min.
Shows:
10 h 47 min
